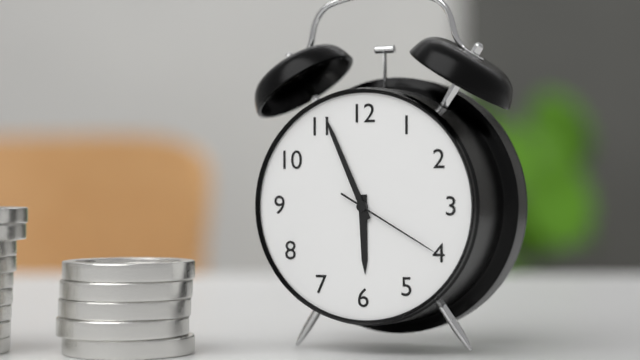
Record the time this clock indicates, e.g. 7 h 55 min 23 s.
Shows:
5 h 56 min 20 s
